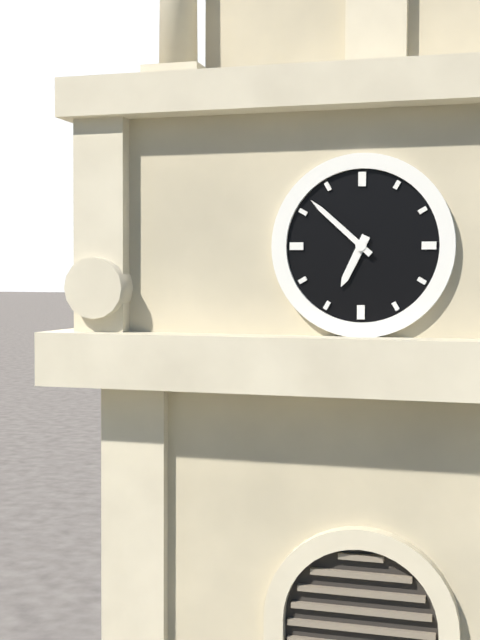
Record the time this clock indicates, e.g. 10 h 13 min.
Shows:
6 h 52 min
